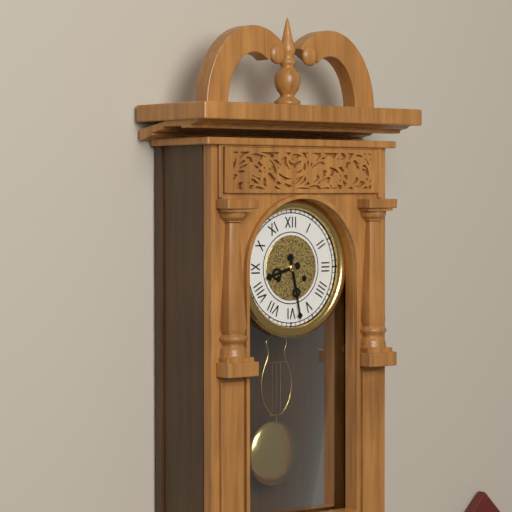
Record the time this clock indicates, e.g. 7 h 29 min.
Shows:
8 h 28 min
